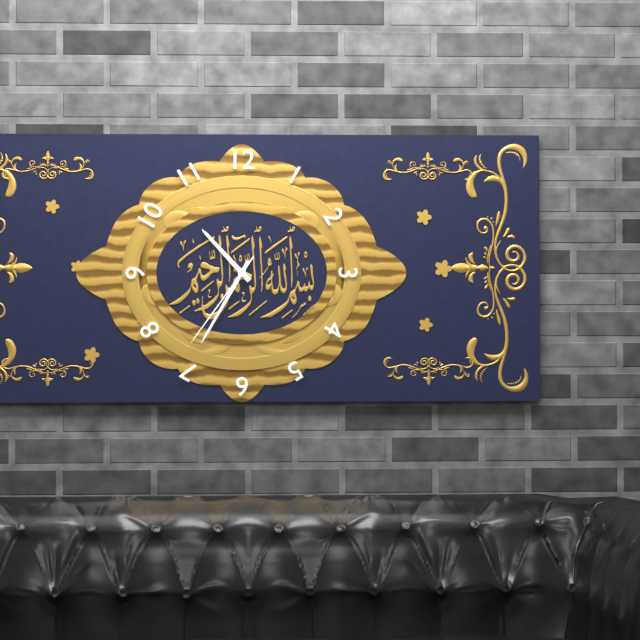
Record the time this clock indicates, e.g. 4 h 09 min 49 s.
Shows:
10 h 35 min 36 s
